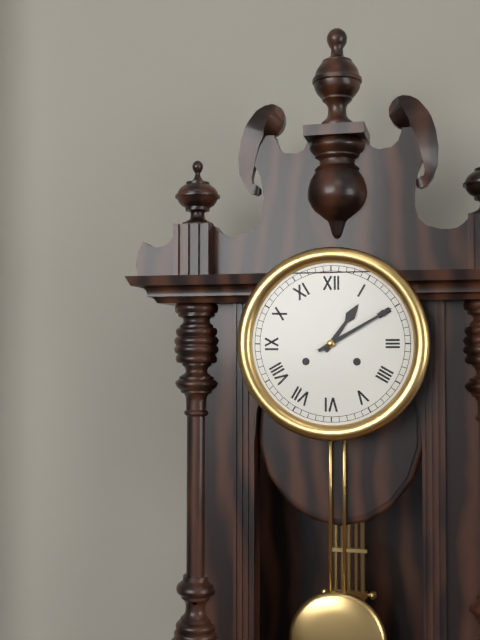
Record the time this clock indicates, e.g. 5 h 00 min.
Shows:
1 h 10 min
